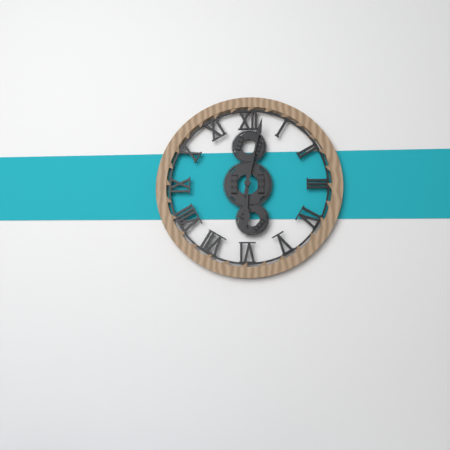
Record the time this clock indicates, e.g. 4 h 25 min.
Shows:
6 h 02 min
